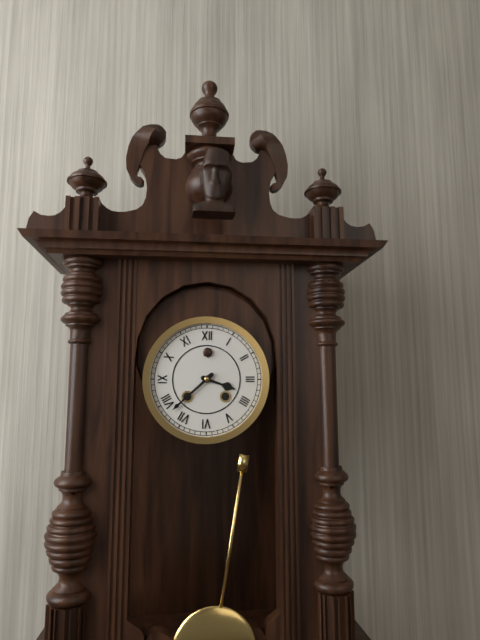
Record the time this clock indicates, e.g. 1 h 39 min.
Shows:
3 h 38 min
